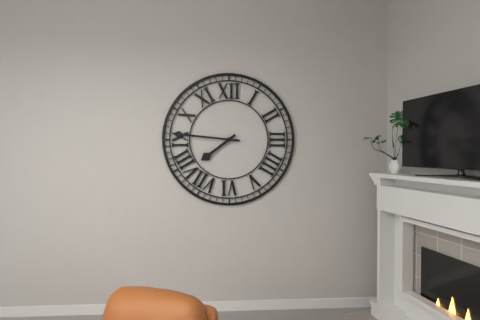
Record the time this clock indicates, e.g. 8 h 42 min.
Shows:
7 h 46 min
